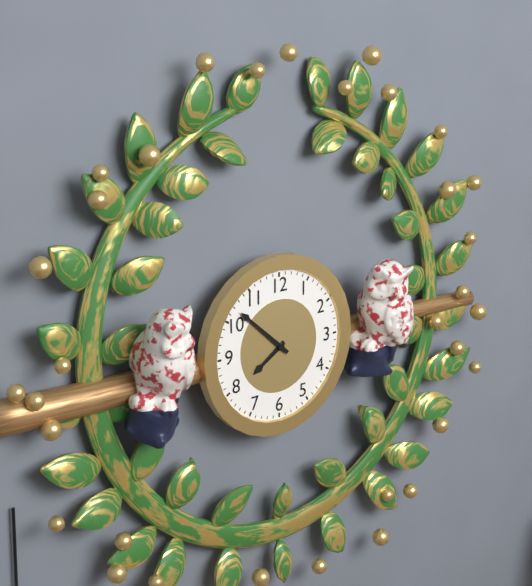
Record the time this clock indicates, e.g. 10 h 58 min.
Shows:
7 h 52 min
